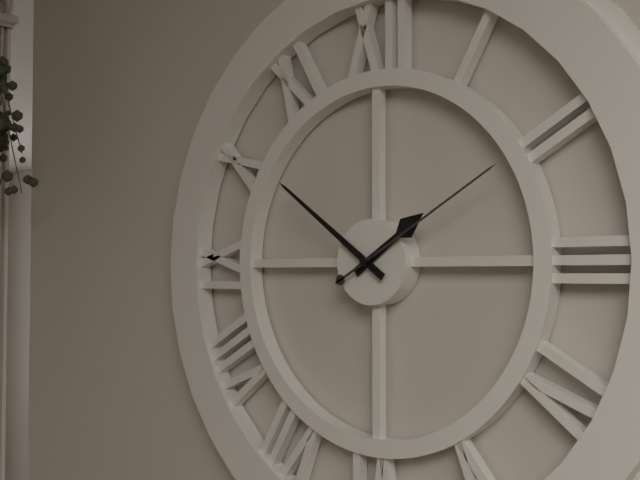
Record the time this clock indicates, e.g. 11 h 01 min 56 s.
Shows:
1 h 51 min 10 s
